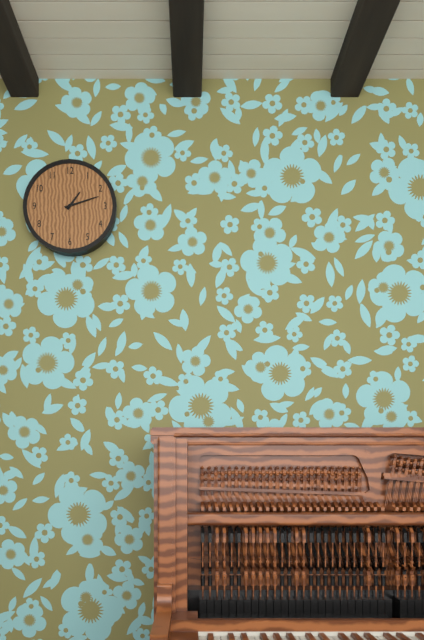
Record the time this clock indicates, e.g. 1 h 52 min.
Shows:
1 h 12 min
